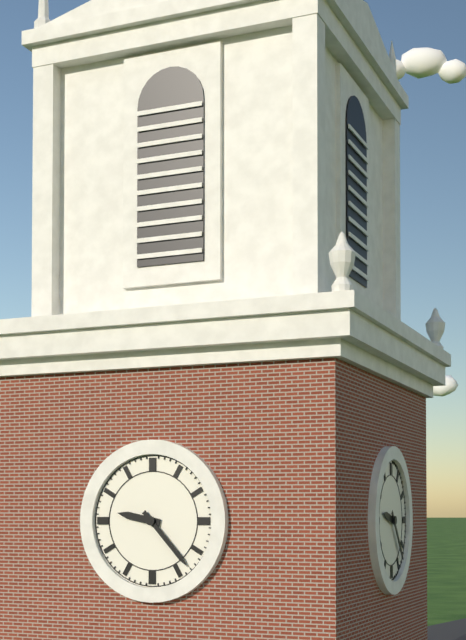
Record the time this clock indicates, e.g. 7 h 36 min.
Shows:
9 h 23 min
